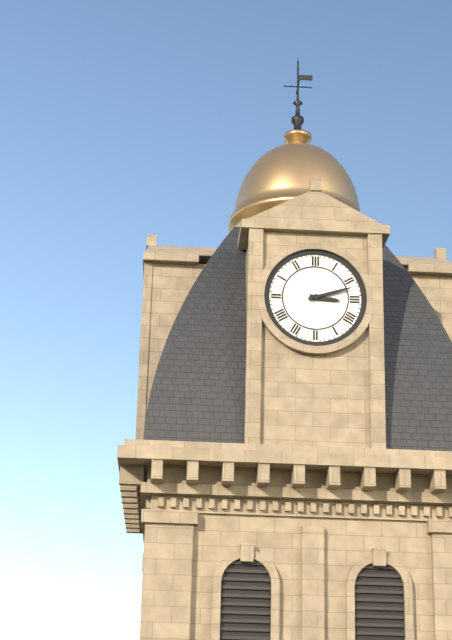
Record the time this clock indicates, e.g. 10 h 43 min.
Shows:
3 h 12 min
